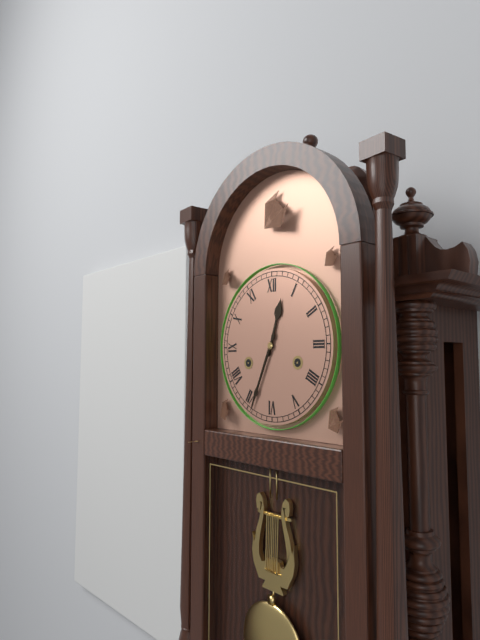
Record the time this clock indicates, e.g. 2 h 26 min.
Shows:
12 h 34 min
